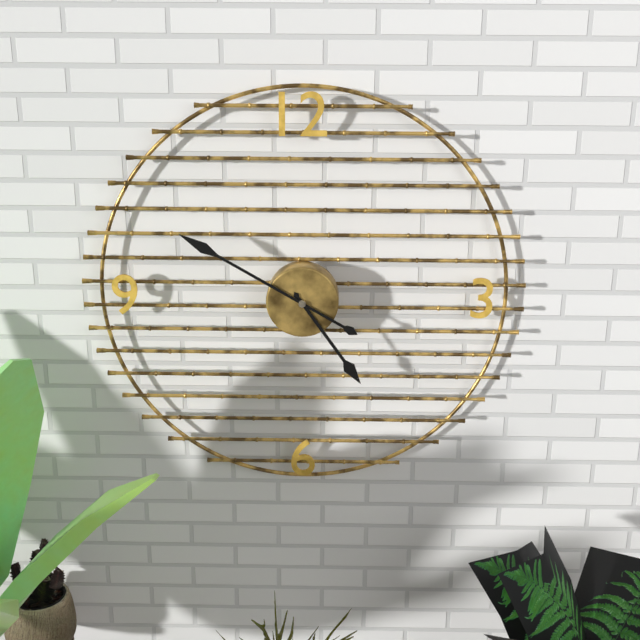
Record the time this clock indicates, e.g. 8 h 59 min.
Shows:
4 h 50 min
